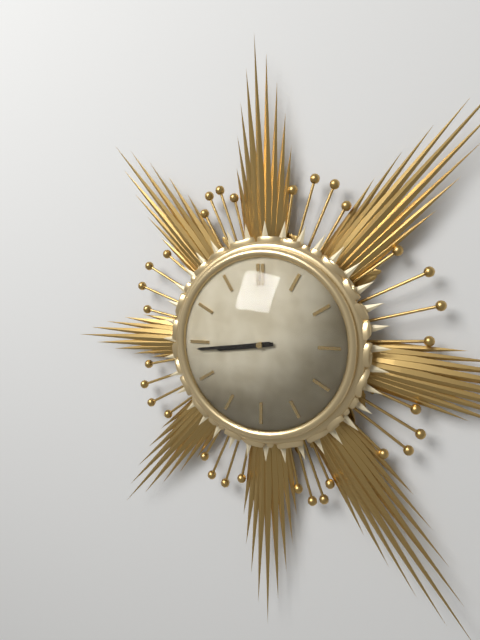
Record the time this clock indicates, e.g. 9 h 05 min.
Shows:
8 h 44 min
